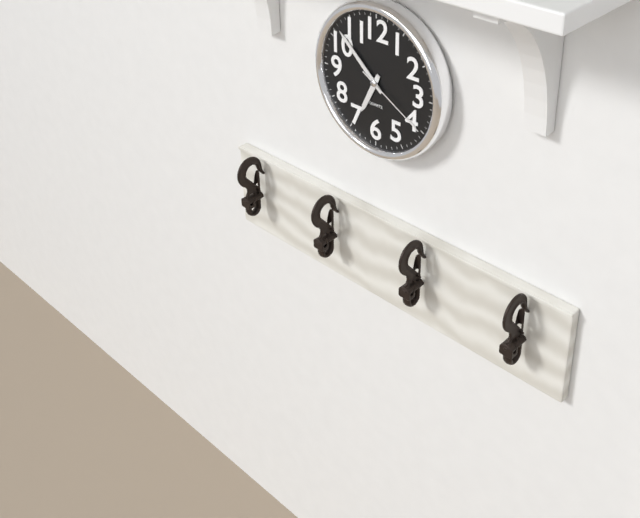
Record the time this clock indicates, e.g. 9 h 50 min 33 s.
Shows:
6 h 52 min 20 s
